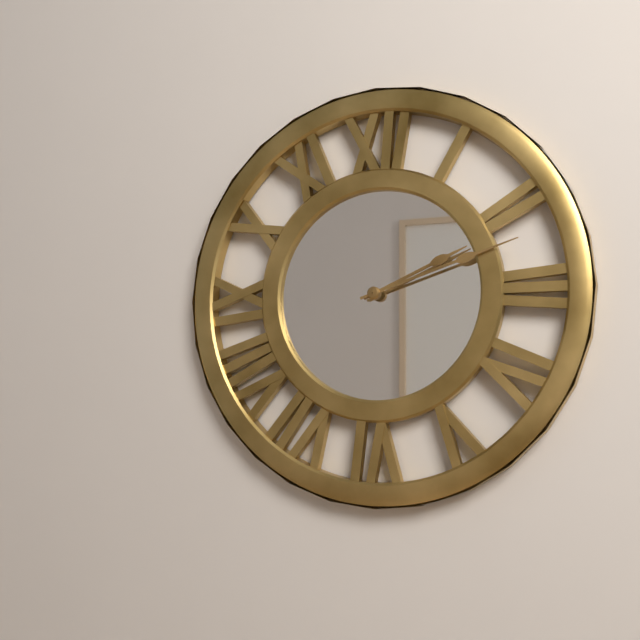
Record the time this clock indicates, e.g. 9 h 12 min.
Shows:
2 h 12 min
